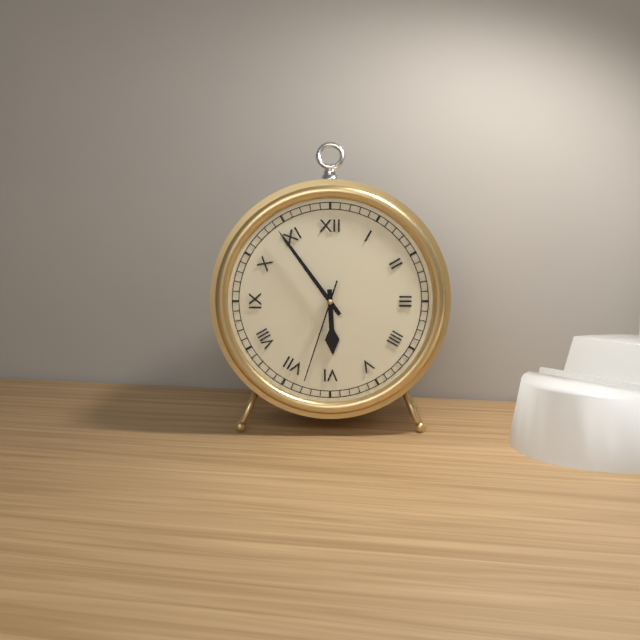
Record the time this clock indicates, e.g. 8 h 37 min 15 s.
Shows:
5 h 54 min 33 s
